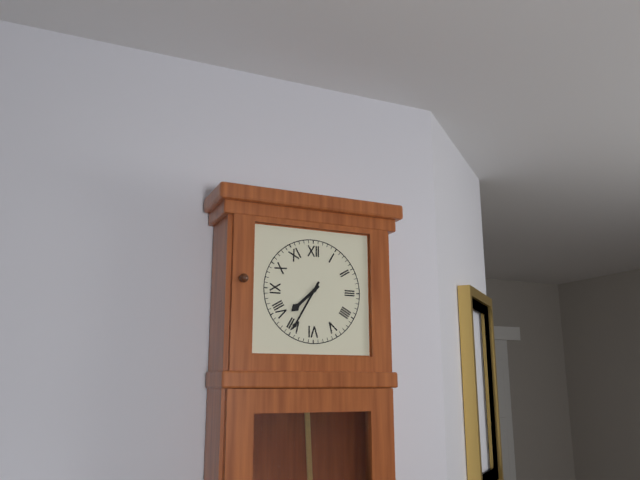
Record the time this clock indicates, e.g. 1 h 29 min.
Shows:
7 h 35 min
